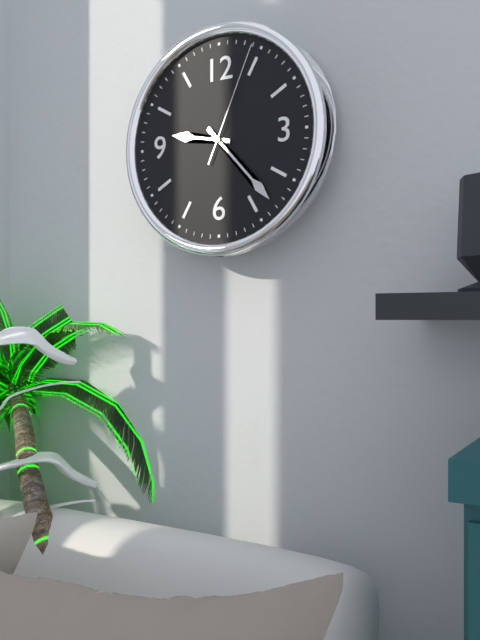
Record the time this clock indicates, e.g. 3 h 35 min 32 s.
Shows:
9 h 23 min 04 s
